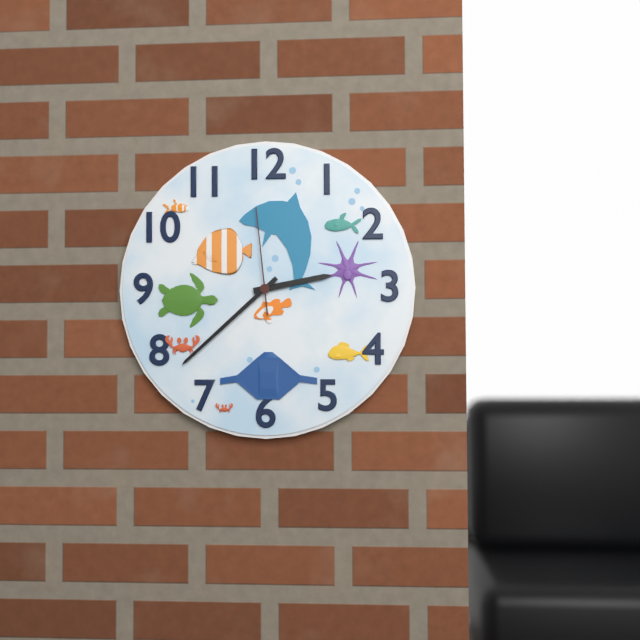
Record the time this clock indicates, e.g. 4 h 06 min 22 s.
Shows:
2 h 38 min 59 s
